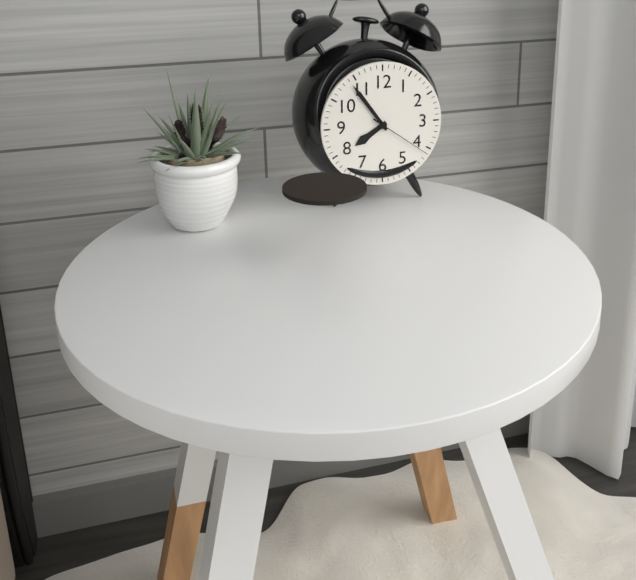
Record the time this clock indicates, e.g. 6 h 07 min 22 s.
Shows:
7 h 54 min 21 s
